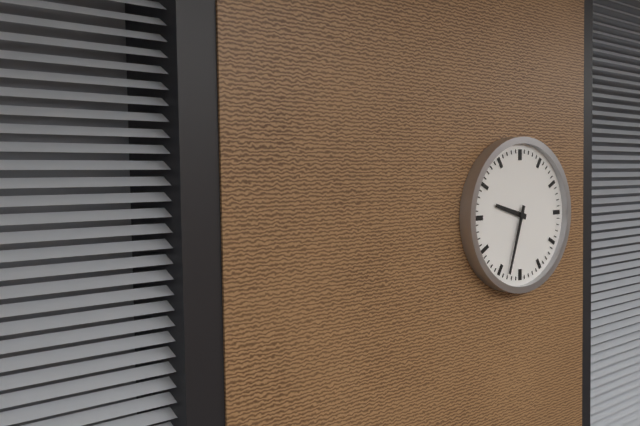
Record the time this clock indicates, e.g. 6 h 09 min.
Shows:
9 h 33 min
